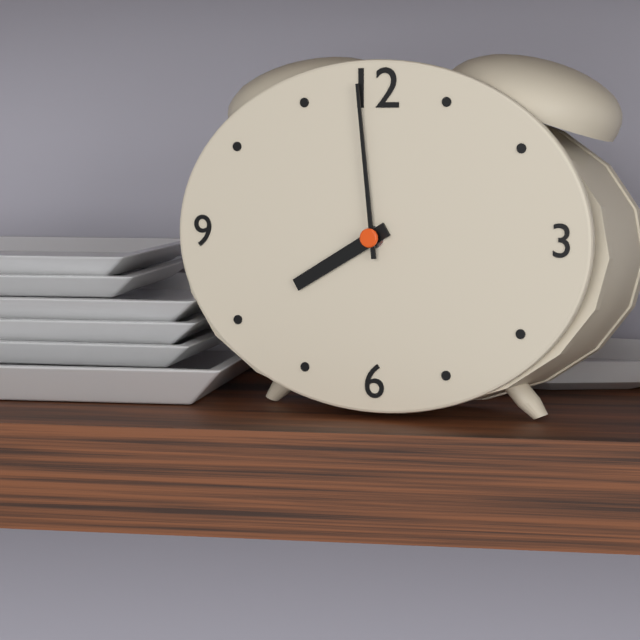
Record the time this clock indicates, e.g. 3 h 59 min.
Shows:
7 h 59 min
